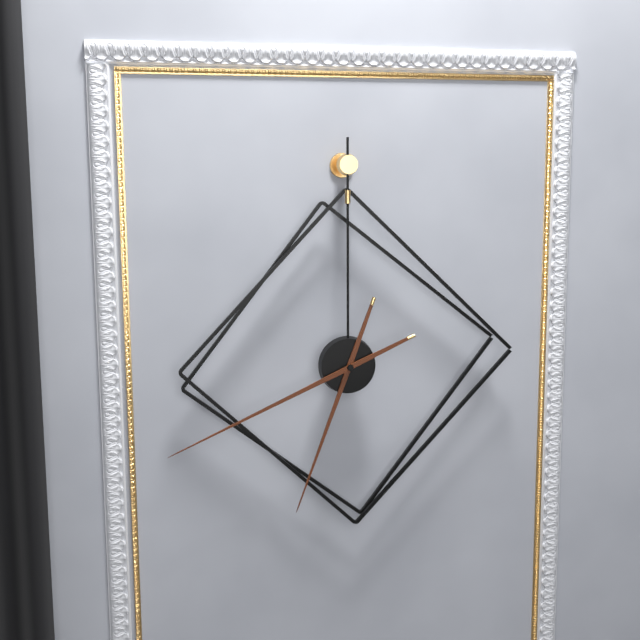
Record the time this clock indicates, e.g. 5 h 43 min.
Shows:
6 h 41 min
